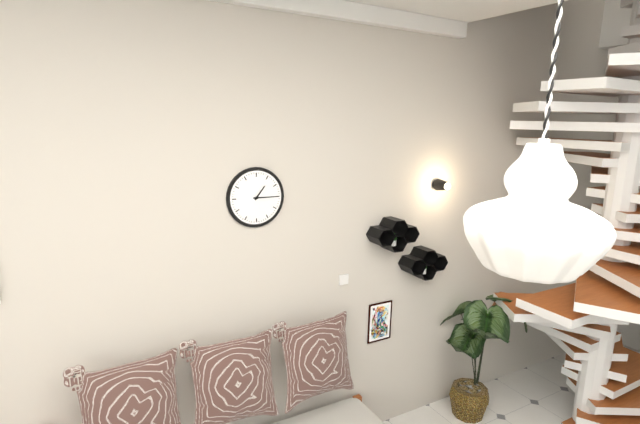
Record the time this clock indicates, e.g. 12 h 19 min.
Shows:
1 h 15 min
